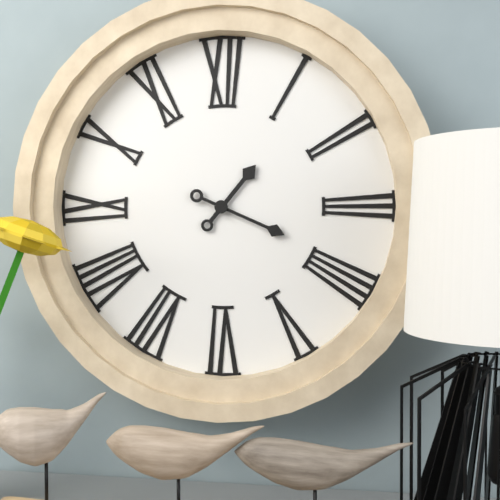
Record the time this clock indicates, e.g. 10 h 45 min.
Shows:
1 h 19 min
